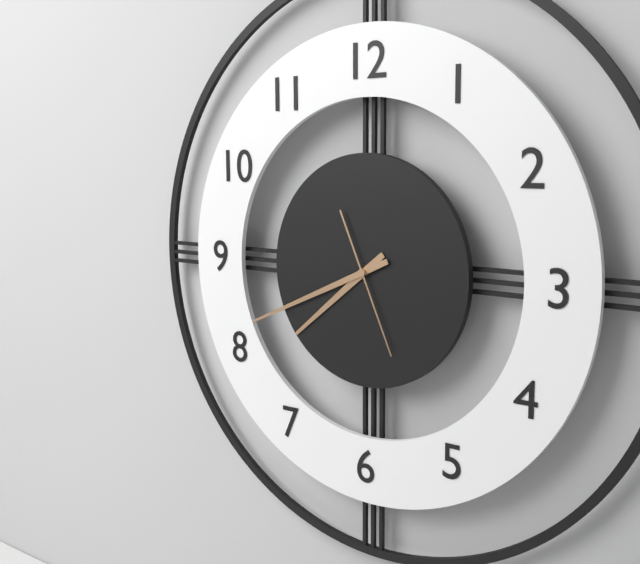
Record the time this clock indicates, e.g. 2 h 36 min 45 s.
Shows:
7 h 41 min 26 s
